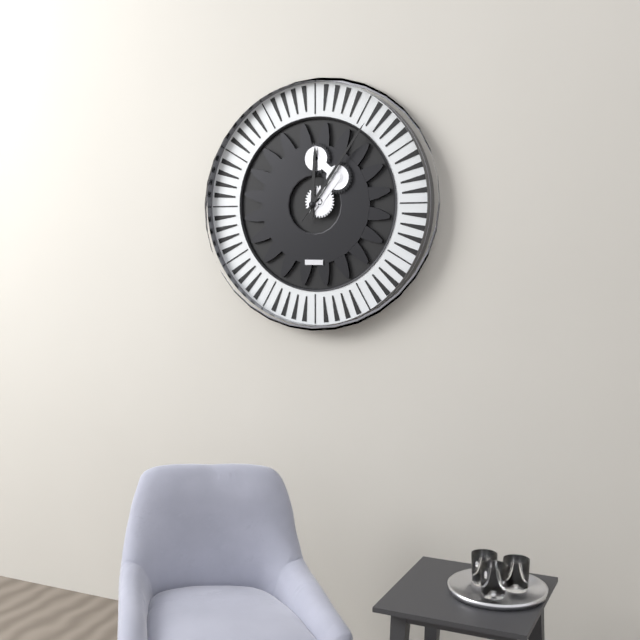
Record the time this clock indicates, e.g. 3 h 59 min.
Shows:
12 h 06 min
